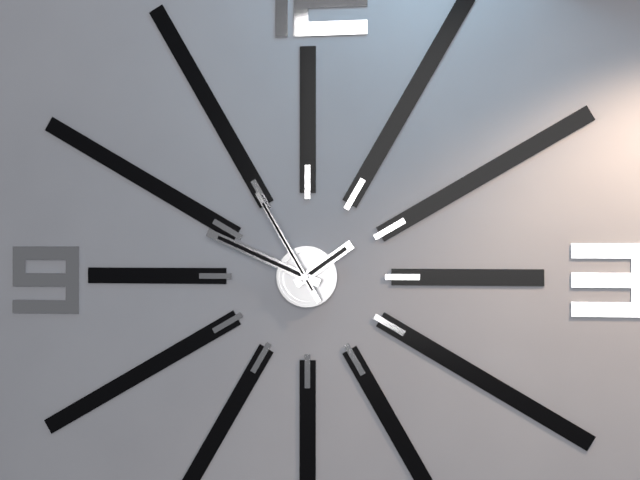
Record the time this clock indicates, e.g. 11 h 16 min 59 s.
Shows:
1 h 49 min 55 s
